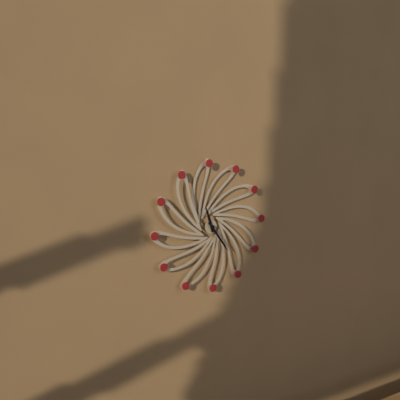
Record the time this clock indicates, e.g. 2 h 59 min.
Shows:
11 h 24 min
